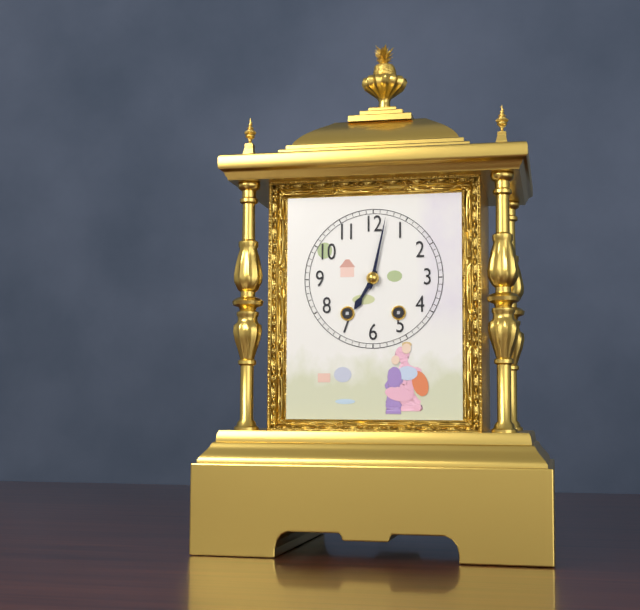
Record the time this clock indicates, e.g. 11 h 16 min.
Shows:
7 h 02 min
